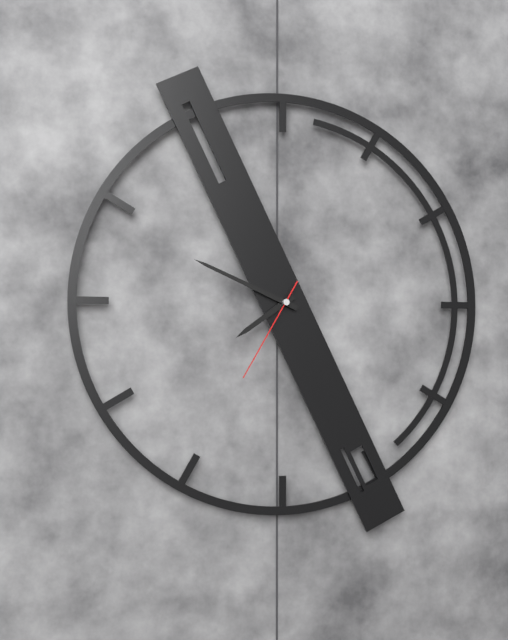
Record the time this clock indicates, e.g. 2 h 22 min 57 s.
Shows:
7 h 49 min 35 s
